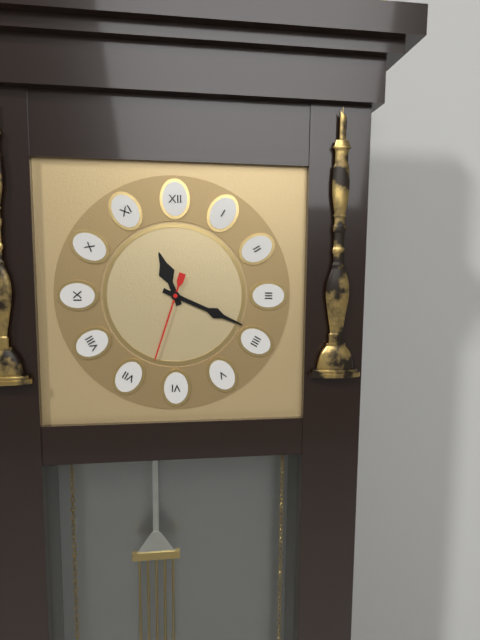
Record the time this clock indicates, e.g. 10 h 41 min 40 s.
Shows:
11 h 19 min 33 s
